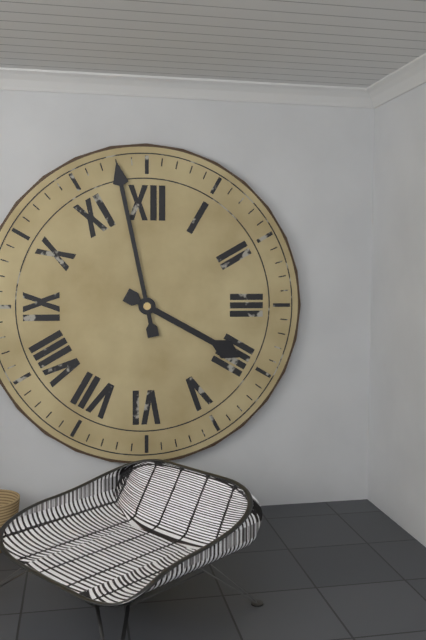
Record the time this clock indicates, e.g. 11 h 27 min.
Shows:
3 h 58 min
